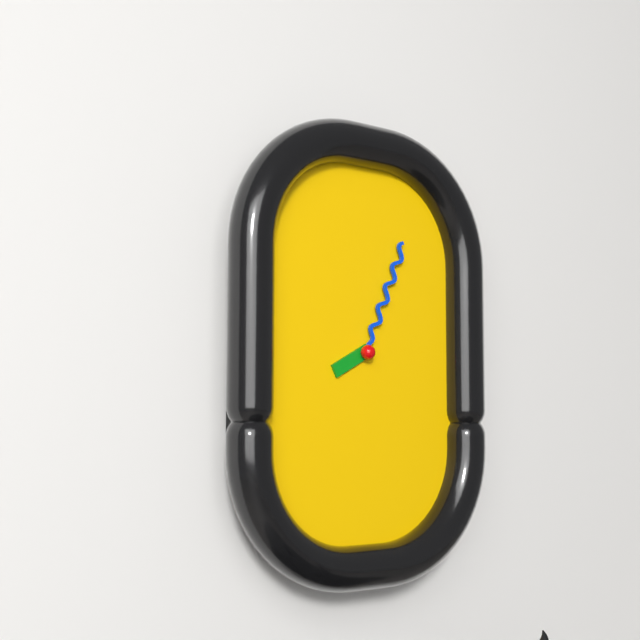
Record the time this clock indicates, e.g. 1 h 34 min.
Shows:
8 h 04 min
